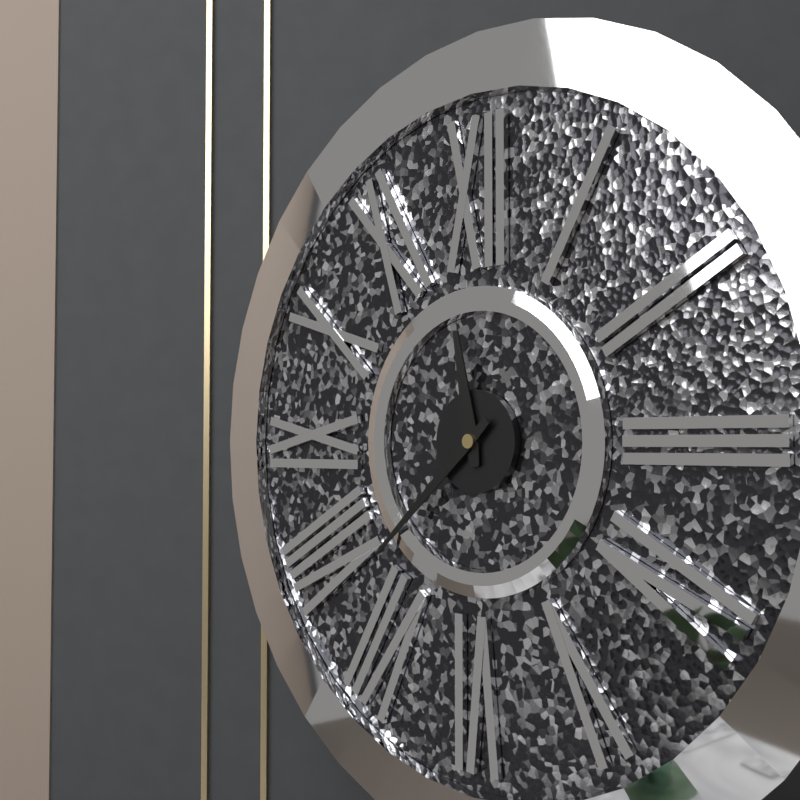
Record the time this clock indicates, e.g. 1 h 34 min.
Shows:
11 h 38 min
